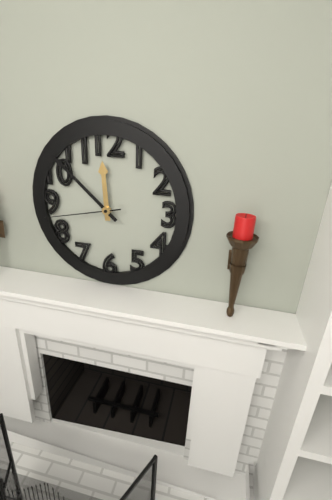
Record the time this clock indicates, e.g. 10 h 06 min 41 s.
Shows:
11 h 52 min 43 s
